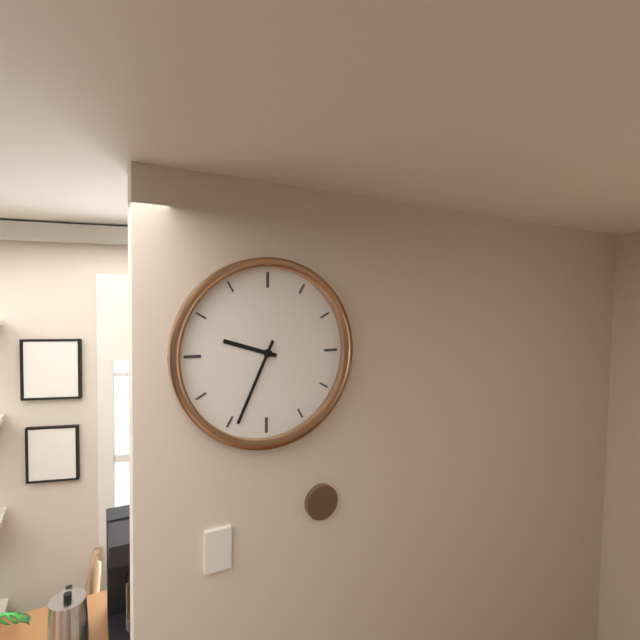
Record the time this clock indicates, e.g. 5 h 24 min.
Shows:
9 h 34 min
